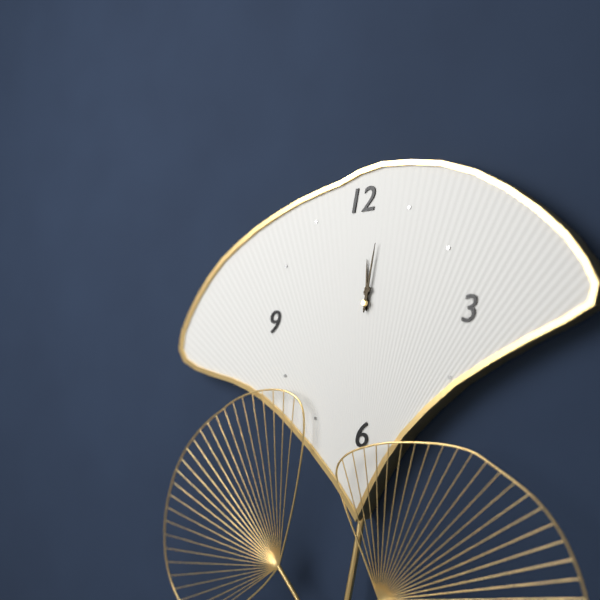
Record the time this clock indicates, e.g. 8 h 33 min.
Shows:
12 h 02 min
